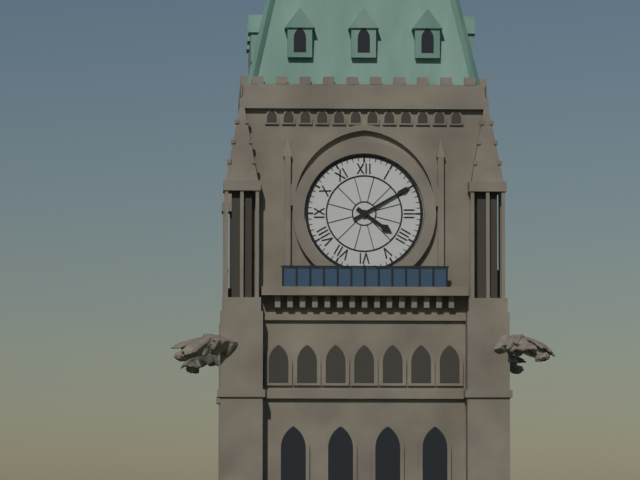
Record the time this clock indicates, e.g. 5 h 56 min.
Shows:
4 h 10 min
